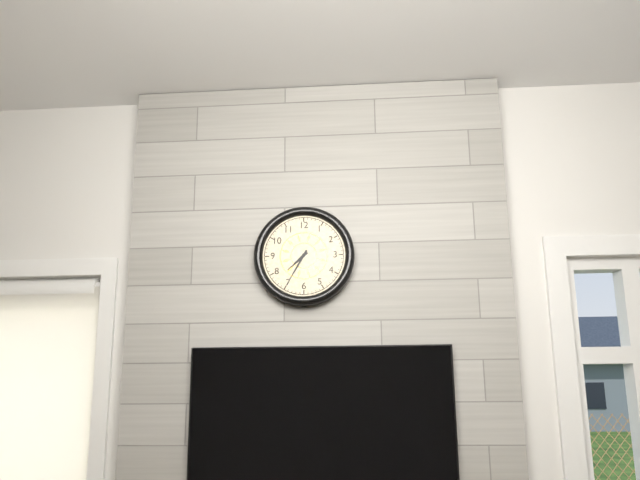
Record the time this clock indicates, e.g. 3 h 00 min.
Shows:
7 h 35 min
